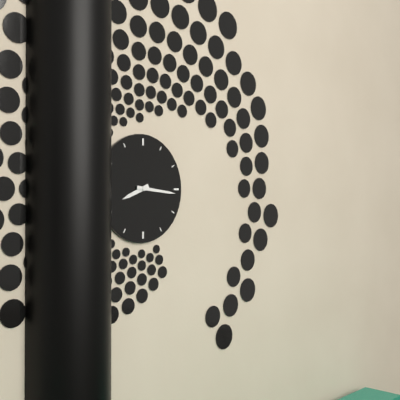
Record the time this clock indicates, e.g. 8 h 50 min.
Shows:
8 h 16 min
